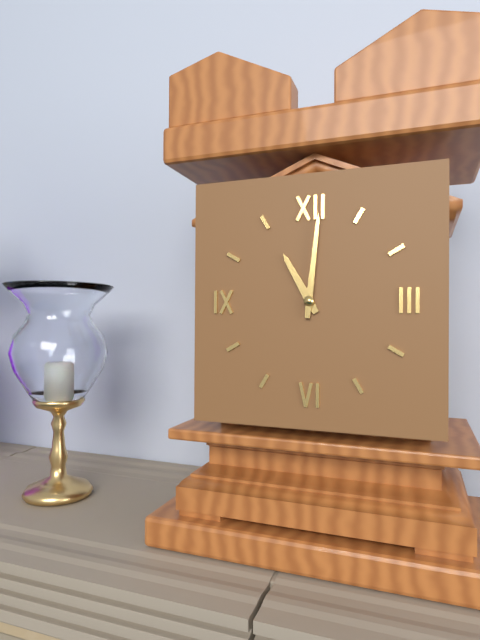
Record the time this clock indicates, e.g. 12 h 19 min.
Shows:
11 h 01 min
